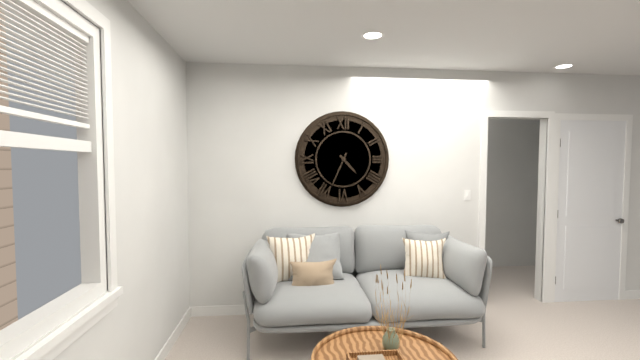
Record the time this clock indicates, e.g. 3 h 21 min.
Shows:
4 h 34 min
